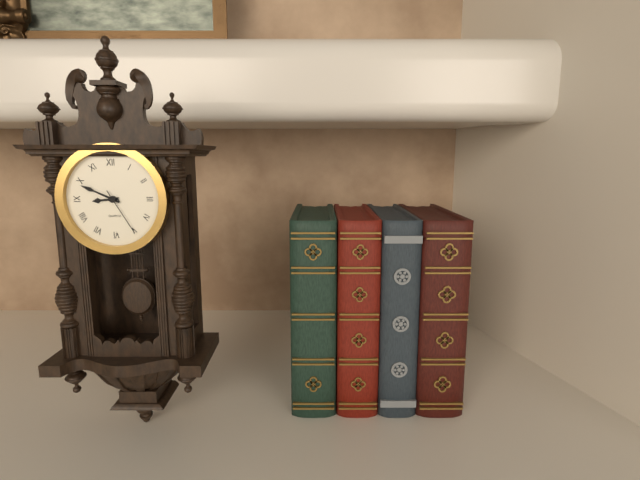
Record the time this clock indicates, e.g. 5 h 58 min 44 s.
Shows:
8 h 49 min 25 s
